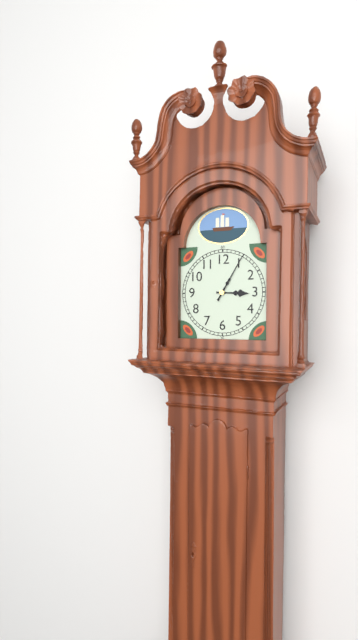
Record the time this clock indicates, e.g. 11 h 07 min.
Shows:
3 h 05 min
